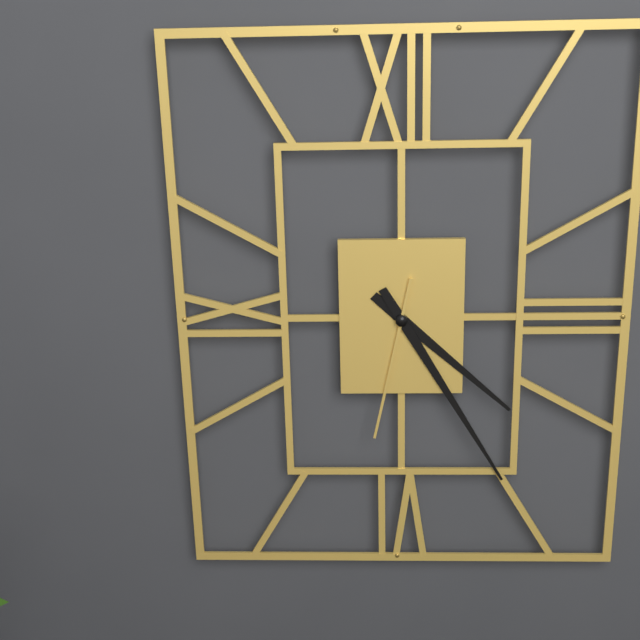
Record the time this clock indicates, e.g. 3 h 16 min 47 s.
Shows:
4 h 25 min 32 s
